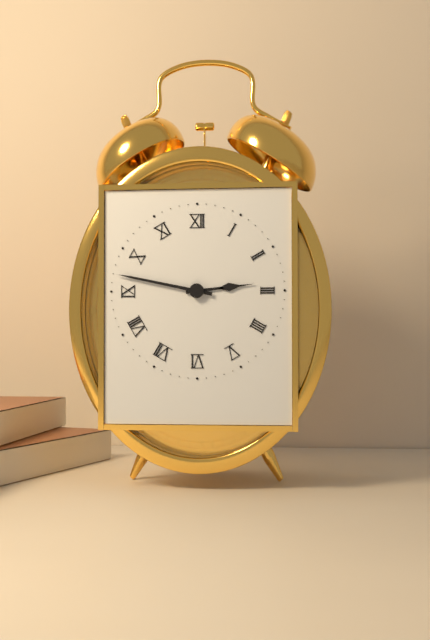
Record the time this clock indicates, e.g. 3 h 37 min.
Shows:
2 h 47 min
